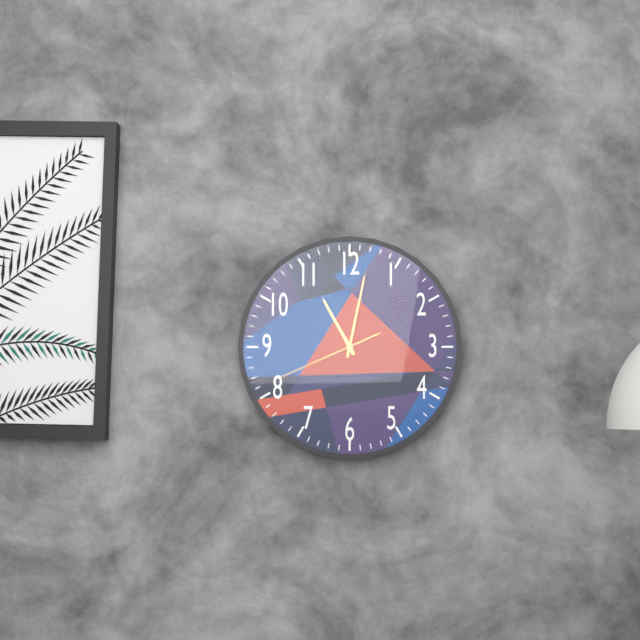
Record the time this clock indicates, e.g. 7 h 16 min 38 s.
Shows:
11 h 02 min 41 s
